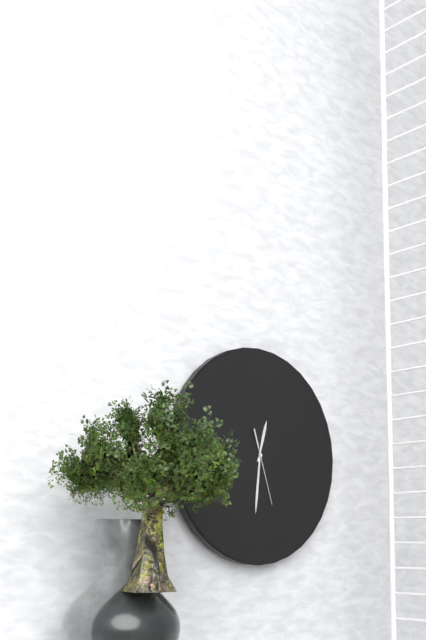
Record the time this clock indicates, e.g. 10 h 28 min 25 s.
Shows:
12 h 31 min 27 s
